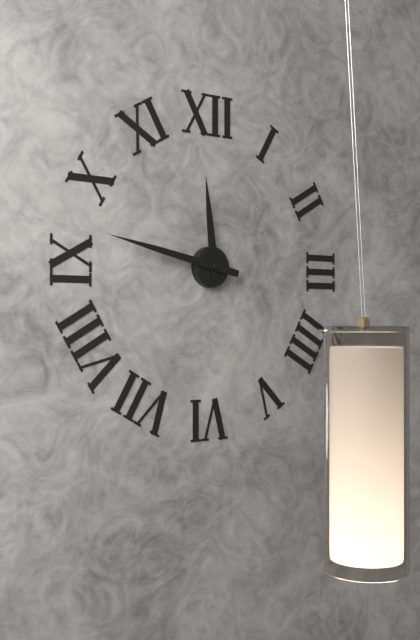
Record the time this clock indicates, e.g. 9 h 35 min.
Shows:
11 h 47 min
